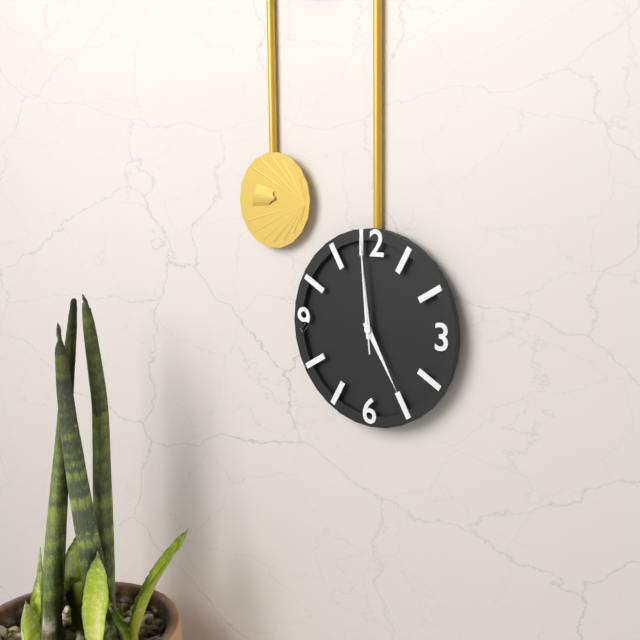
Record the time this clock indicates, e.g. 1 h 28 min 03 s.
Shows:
4 h 59 min 59 s
